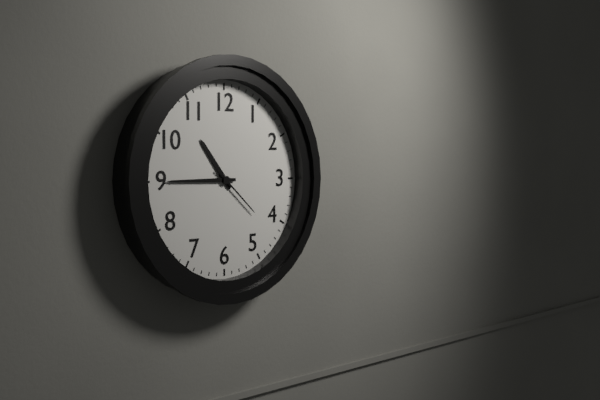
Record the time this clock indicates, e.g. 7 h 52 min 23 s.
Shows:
10 h 45 min 22 s
